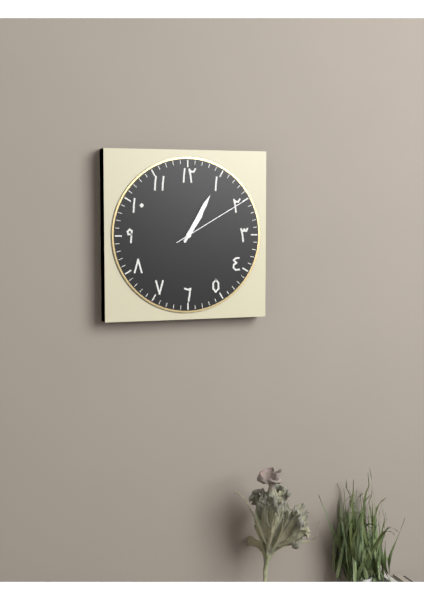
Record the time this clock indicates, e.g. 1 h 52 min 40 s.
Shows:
1 h 05 min 10 s
